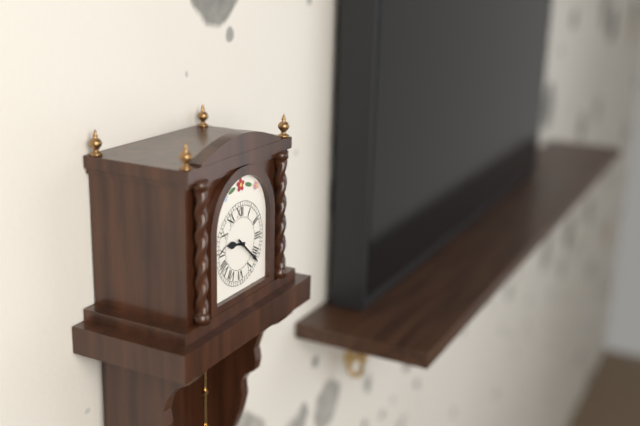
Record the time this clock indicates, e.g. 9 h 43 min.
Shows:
9 h 22 min
